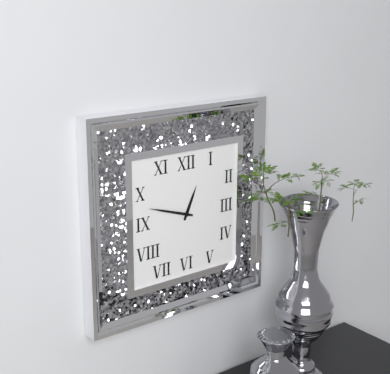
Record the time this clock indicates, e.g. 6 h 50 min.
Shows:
12 h 48 min
